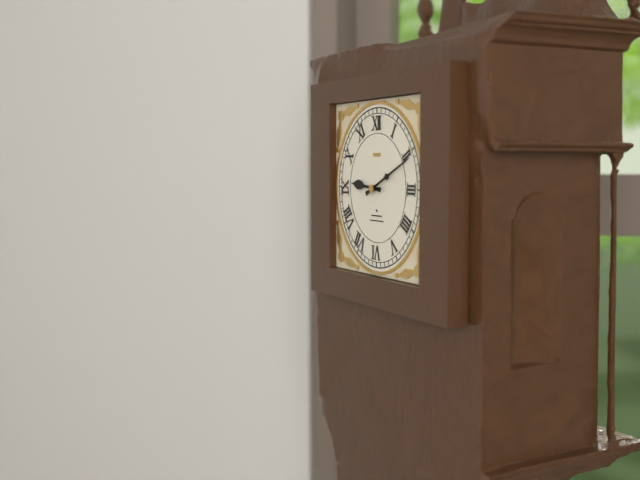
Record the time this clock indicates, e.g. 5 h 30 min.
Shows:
9 h 11 min
